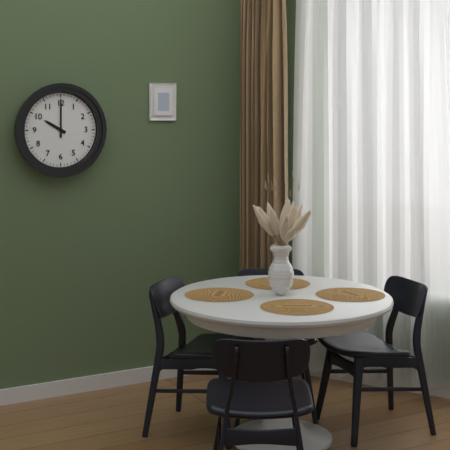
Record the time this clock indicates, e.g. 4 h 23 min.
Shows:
10 h 00 min
